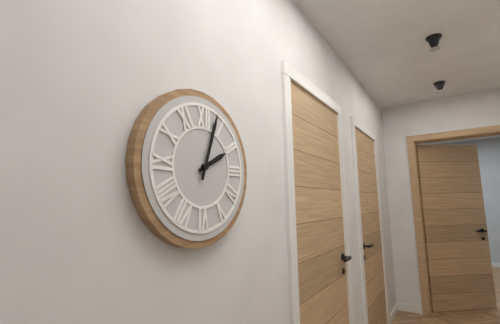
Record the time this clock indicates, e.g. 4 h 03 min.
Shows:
2 h 03 min
